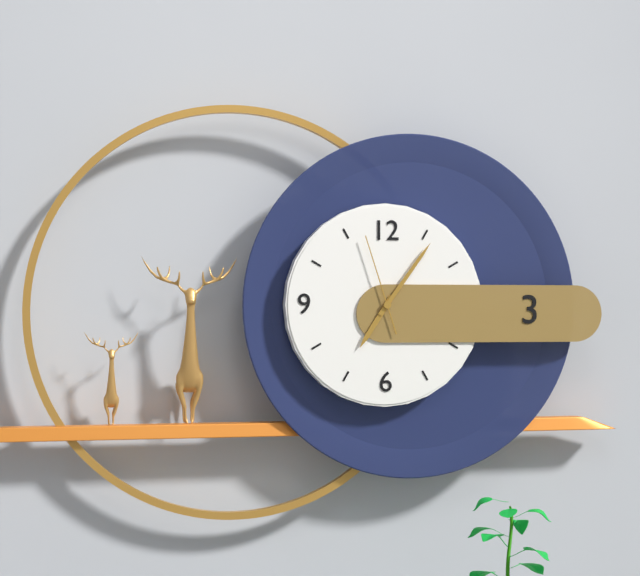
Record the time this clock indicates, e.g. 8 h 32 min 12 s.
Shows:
7 h 06 min 57 s
